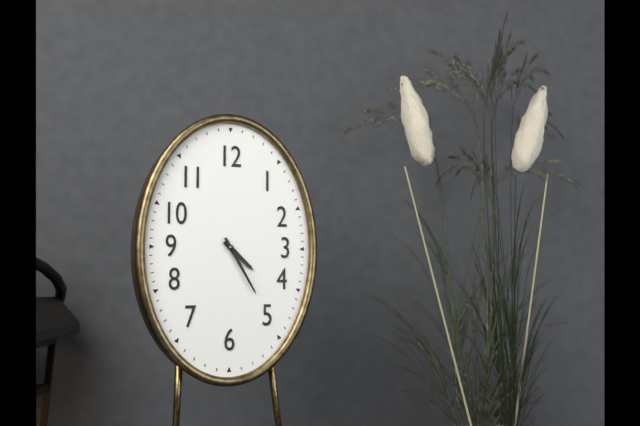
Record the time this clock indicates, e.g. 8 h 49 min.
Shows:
4 h 25 min
